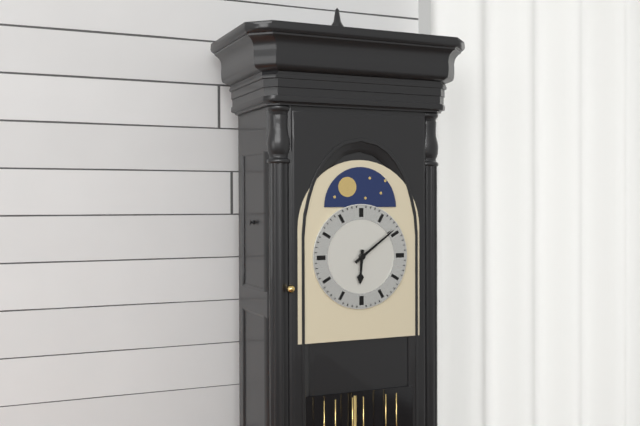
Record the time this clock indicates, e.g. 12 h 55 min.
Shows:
6 h 09 min
